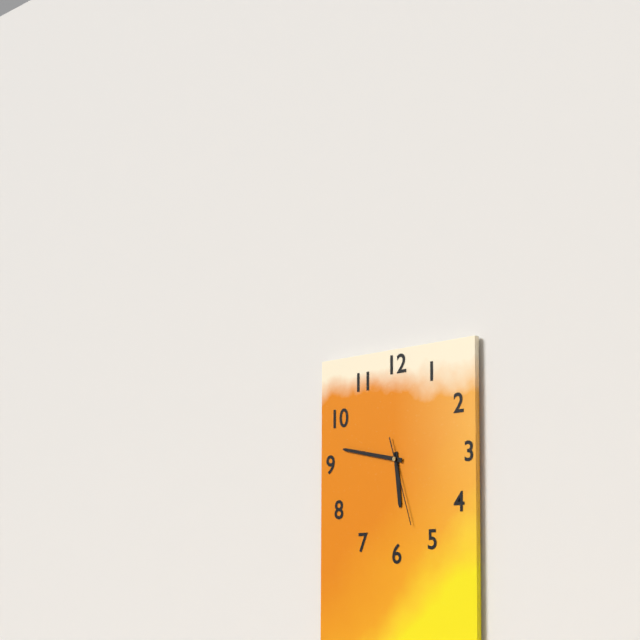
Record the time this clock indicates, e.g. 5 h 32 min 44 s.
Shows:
5 h 47 min 27 s
